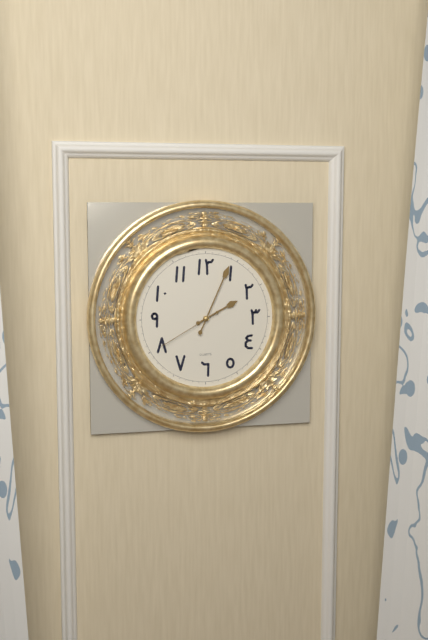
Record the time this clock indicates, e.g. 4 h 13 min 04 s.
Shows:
2 h 04 min 40 s
